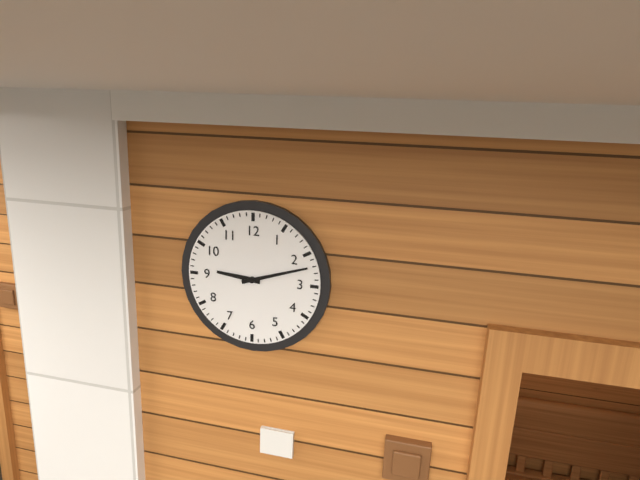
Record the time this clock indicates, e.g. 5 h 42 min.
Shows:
9 h 12 min
